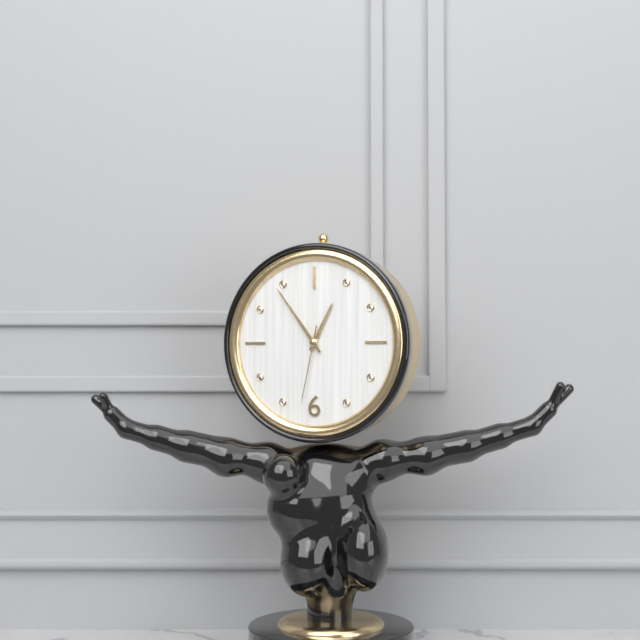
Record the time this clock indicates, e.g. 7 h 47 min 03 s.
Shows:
12 h 54 min 32 s
